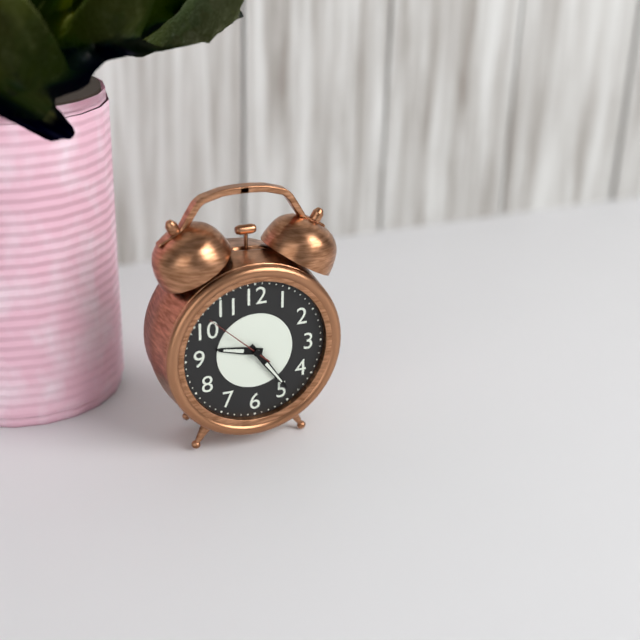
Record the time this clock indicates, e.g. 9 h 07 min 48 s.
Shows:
9 h 24 min 52 s
